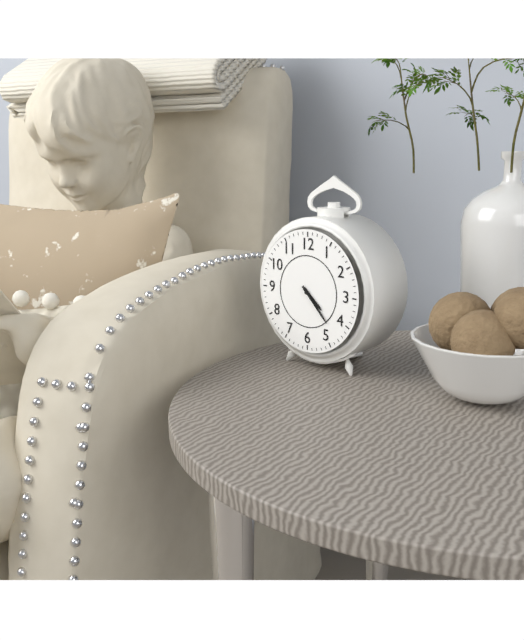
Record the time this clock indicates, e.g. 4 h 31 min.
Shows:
4 h 23 min
